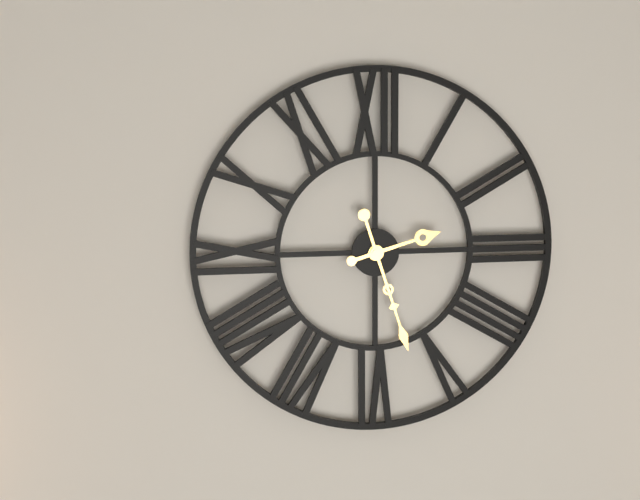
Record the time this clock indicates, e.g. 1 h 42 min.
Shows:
2 h 27 min
